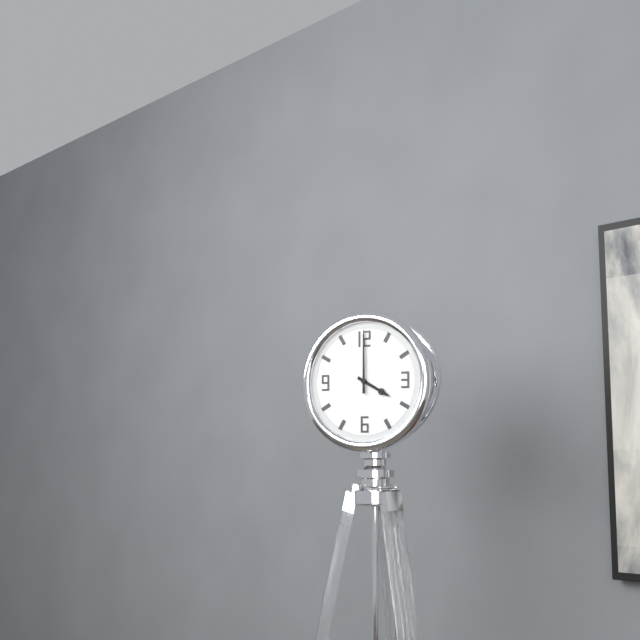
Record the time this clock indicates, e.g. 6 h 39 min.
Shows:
4 h 00 min
